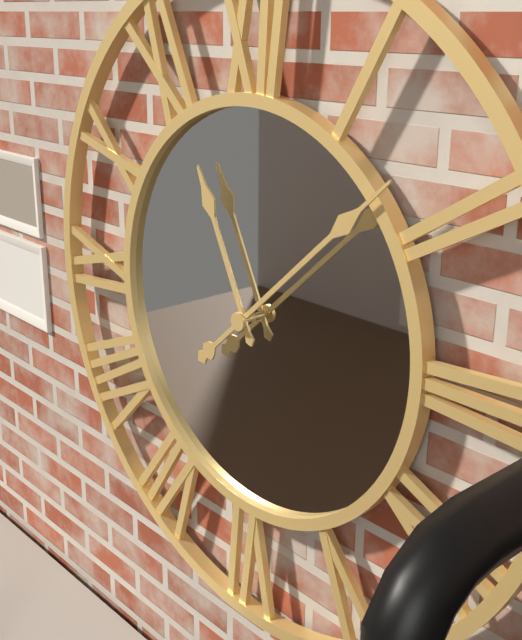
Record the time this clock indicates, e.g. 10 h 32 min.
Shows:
11 h 08 min
